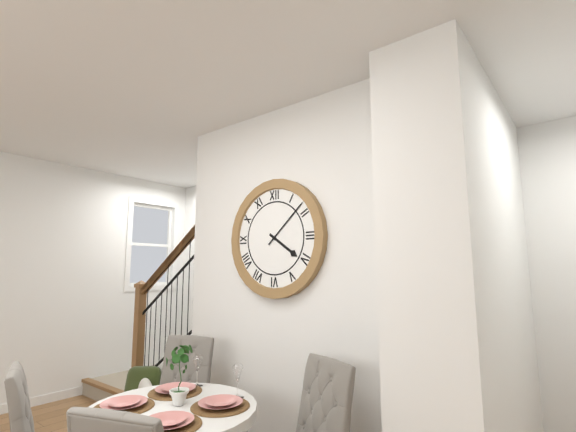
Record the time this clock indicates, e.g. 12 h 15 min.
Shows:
4 h 08 min
